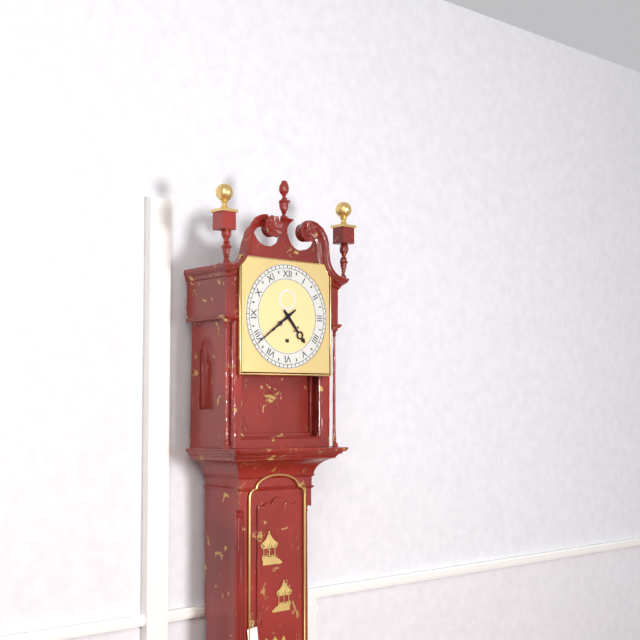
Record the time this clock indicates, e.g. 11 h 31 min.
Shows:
4 h 39 min
